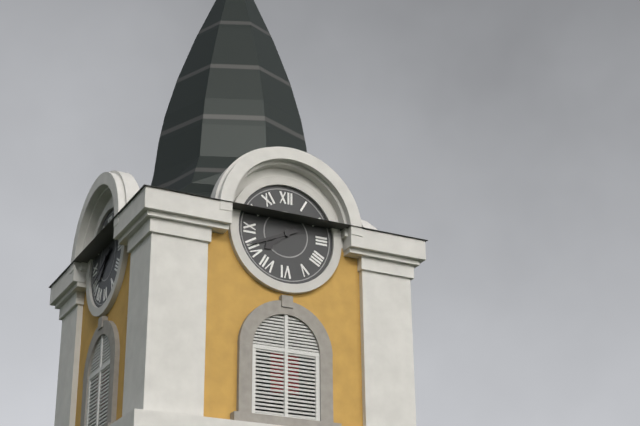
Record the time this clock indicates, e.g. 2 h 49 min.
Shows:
7 h 41 min
